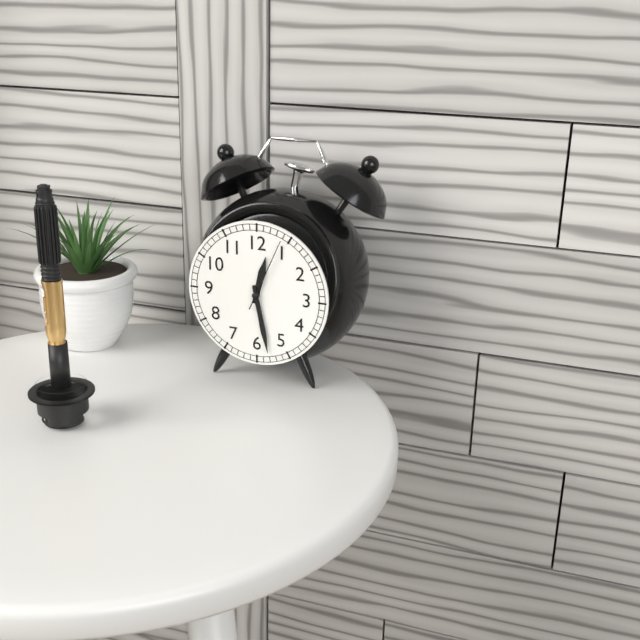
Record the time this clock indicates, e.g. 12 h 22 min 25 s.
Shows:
12 h 28 min 04 s
